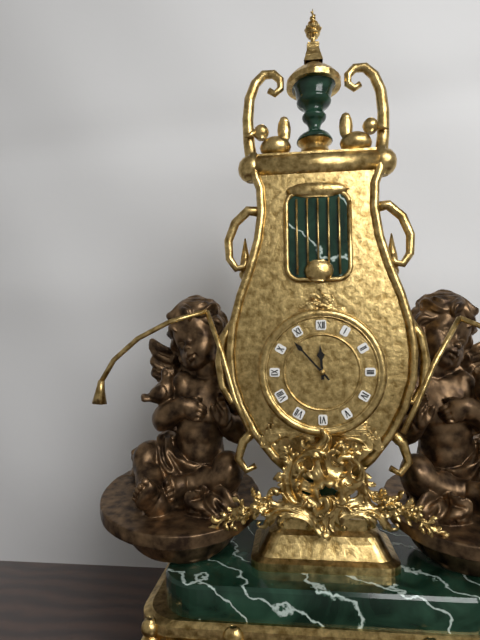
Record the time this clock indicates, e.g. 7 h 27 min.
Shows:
11 h 53 min
